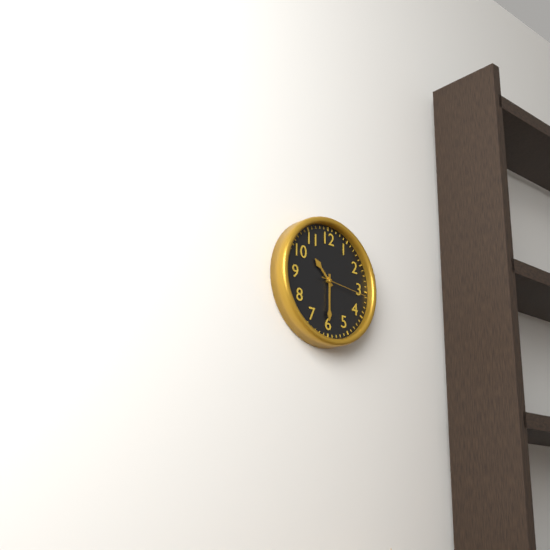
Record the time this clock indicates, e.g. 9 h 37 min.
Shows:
10 h 30 min
